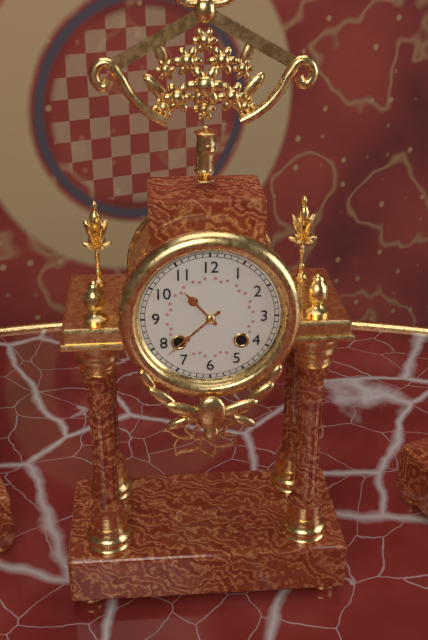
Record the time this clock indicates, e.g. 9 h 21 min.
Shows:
10 h 38 min
